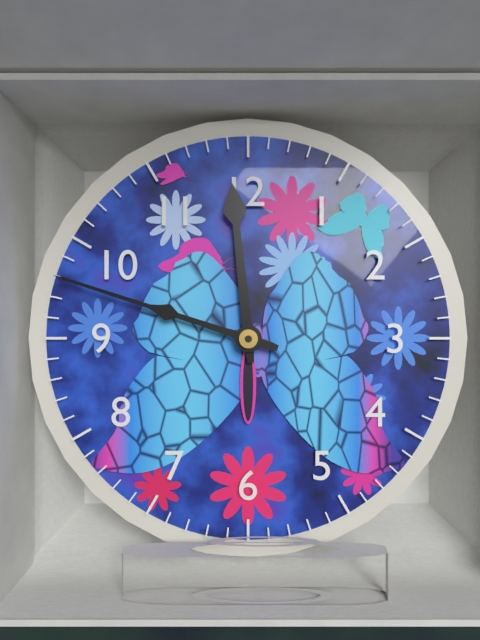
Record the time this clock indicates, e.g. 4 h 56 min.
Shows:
11 h 48 min
